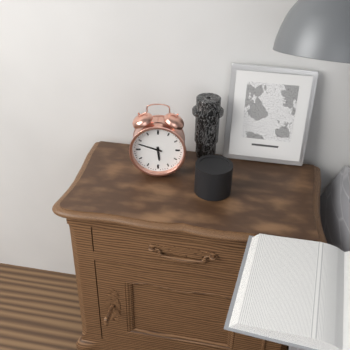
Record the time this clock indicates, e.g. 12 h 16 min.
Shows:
5 h 48 min
